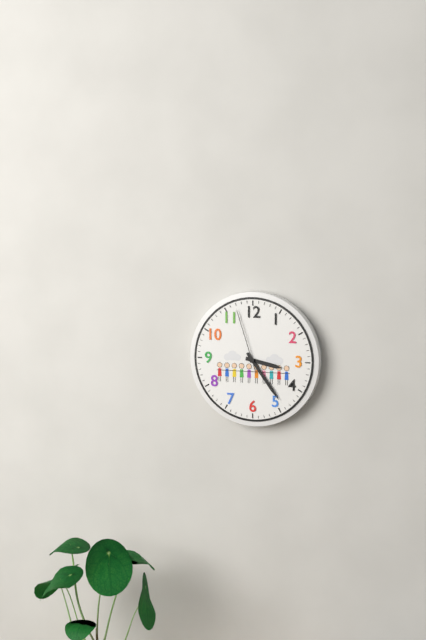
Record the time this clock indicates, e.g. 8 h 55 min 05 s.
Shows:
3 h 24 min 57 s
